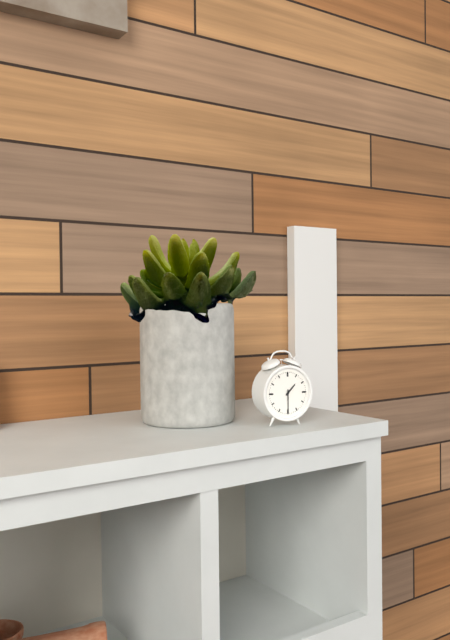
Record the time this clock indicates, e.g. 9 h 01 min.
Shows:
1 h 30 min
